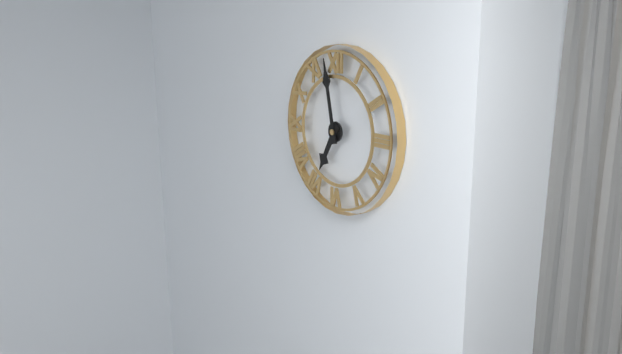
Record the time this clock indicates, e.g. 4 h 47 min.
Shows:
6 h 58 min
